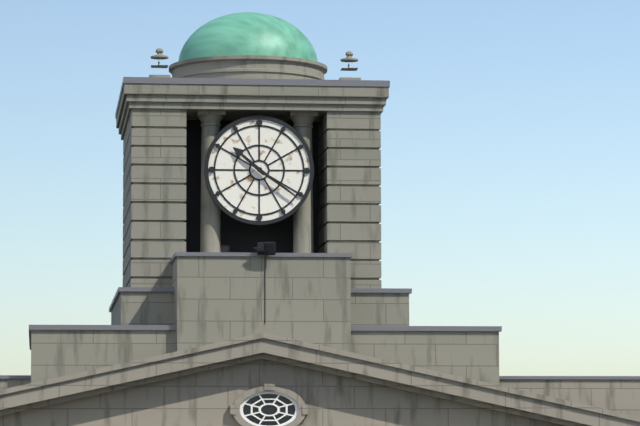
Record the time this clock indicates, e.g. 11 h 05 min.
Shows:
10 h 21 min
